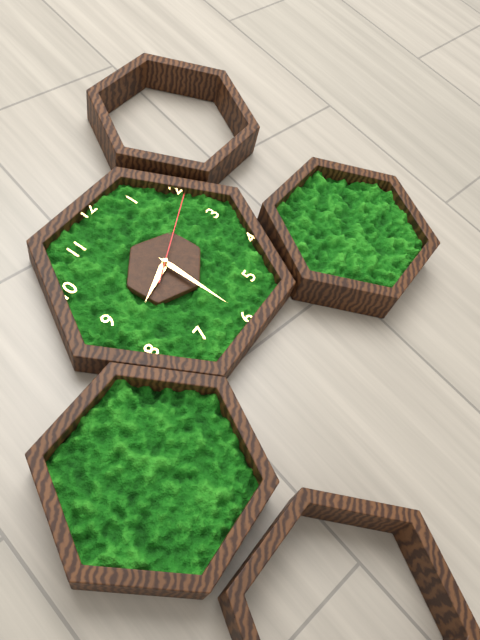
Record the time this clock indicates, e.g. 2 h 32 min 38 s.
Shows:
8 h 30 min 11 s
